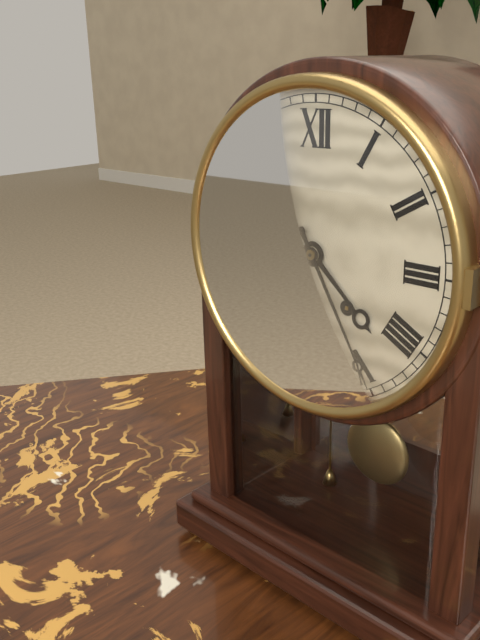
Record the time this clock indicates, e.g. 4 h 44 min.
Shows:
4 h 25 min
